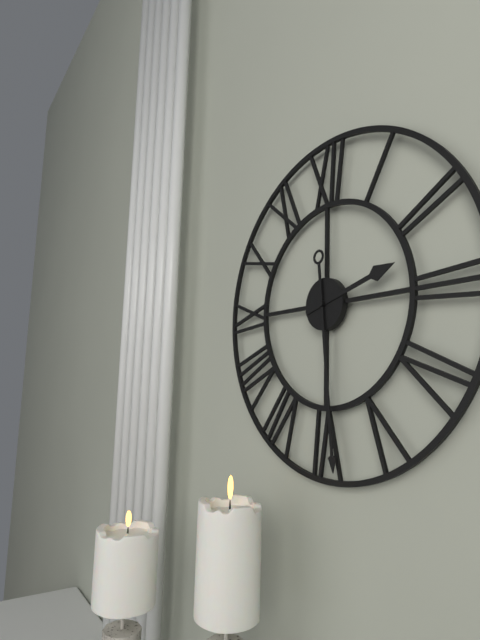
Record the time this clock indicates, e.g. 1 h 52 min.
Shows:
2 h 29 min
